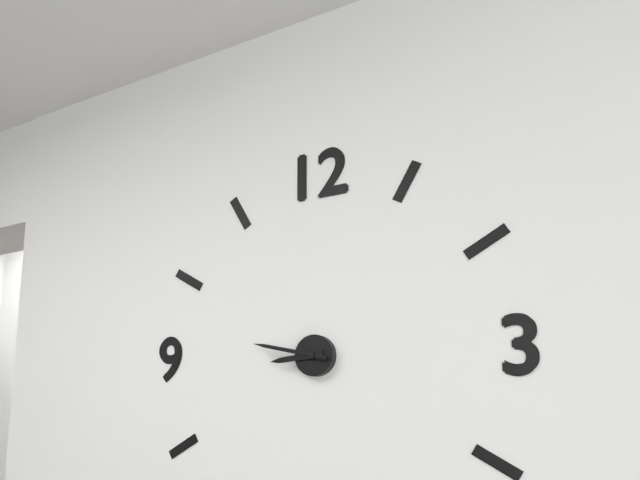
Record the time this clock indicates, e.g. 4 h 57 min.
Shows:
8 h 47 min
